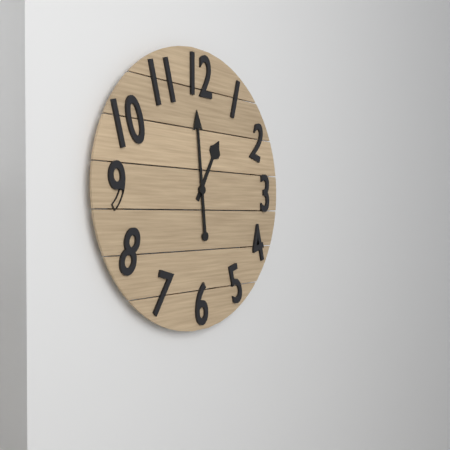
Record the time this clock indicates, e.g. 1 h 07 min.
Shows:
12 h 59 min
